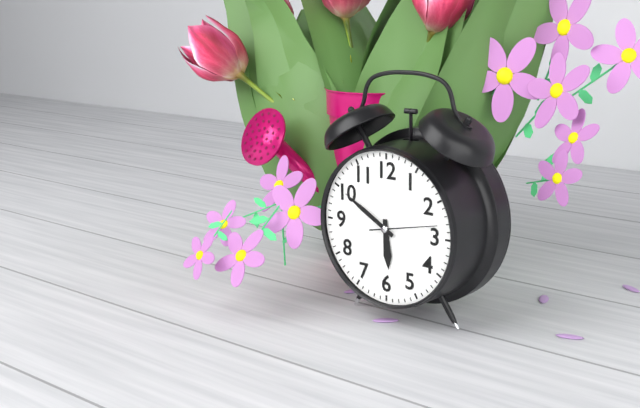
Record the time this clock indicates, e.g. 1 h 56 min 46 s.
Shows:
5 h 50 min 13 s
